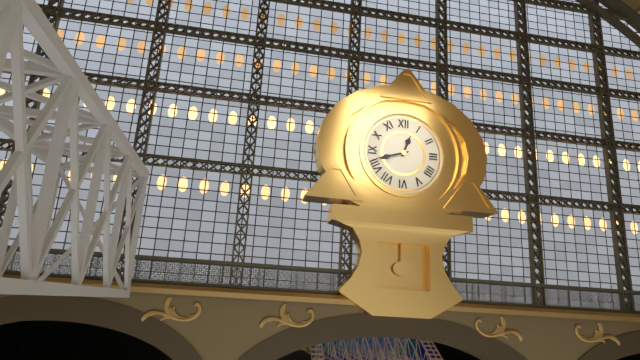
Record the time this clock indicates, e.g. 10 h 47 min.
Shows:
12 h 42 min
